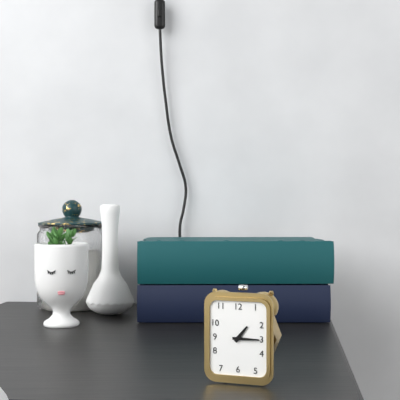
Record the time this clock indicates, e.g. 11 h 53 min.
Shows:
1 h 15 min
